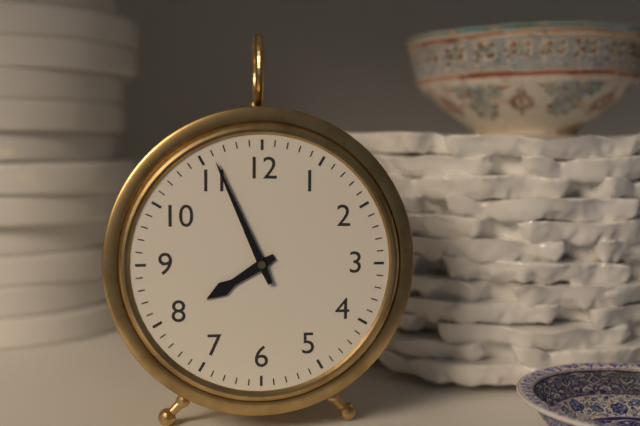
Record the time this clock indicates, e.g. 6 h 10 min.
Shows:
7 h 56 min
